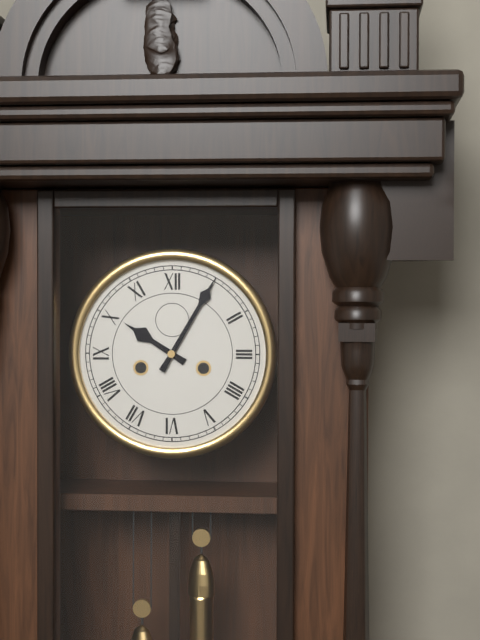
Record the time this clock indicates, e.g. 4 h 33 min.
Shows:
10 h 05 min
